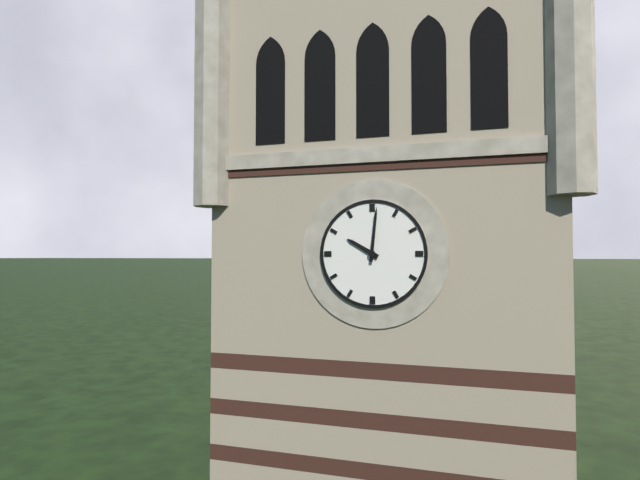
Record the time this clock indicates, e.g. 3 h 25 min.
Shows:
10 h 01 min
